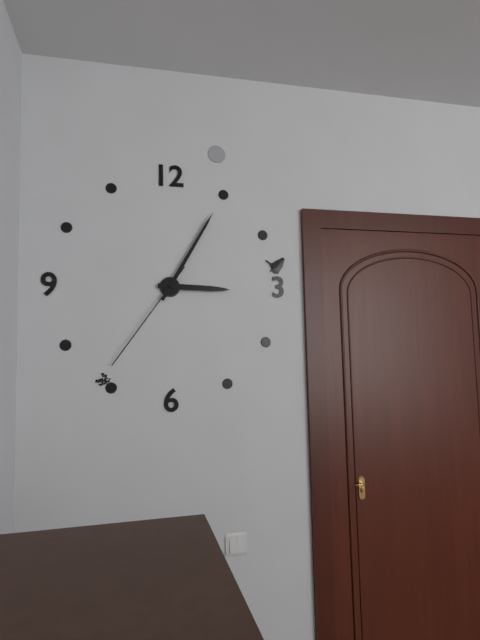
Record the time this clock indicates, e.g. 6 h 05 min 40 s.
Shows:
3 h 05 min 36 s
